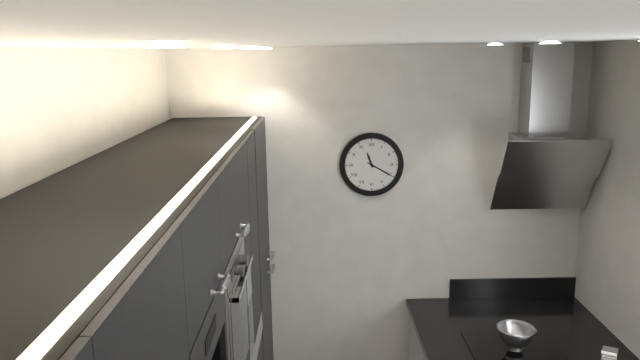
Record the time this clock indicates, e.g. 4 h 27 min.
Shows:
11 h 20 min
